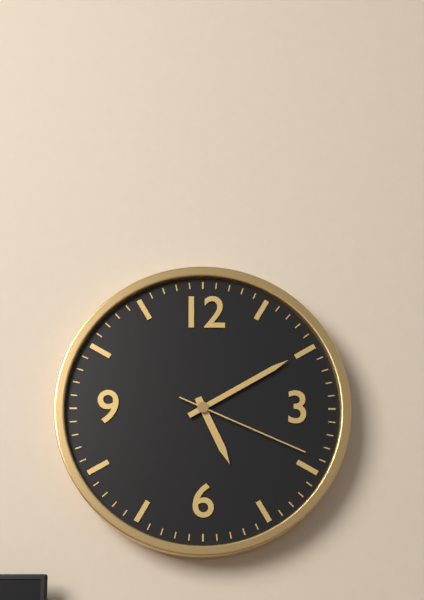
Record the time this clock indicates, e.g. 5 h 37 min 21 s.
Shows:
5 h 10 min 19 s
